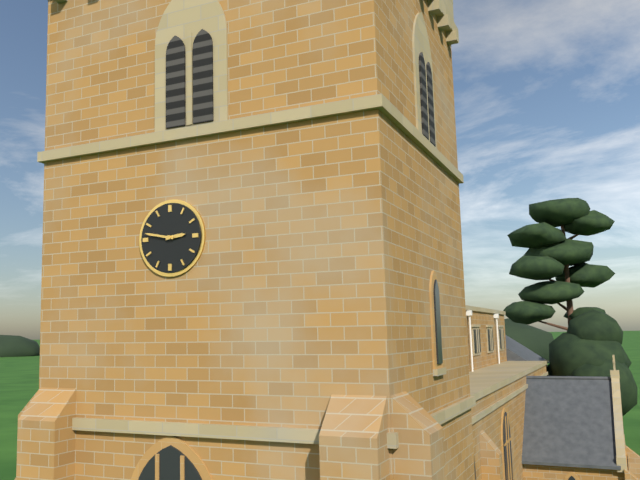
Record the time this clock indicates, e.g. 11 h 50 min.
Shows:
2 h 47 min
